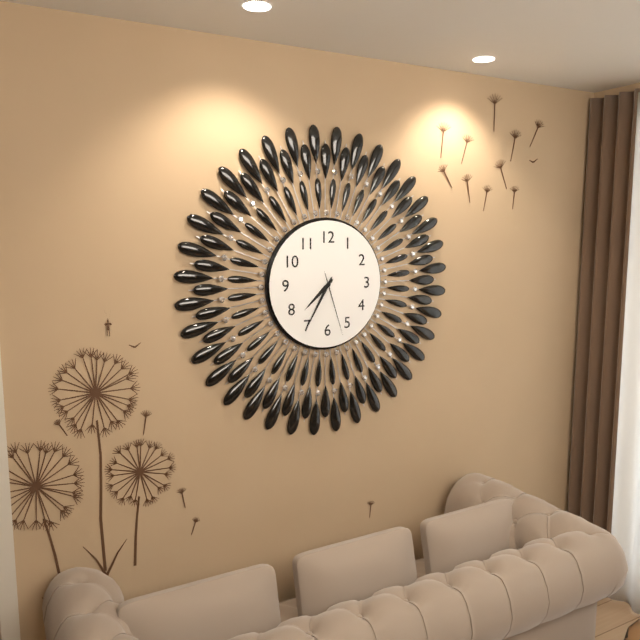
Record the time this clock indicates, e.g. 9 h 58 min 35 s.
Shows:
7 h 35 min 27 s
